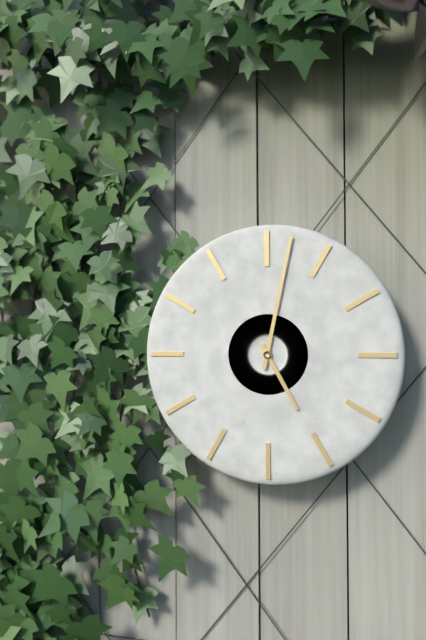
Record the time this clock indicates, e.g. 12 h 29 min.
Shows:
5 h 02 min
